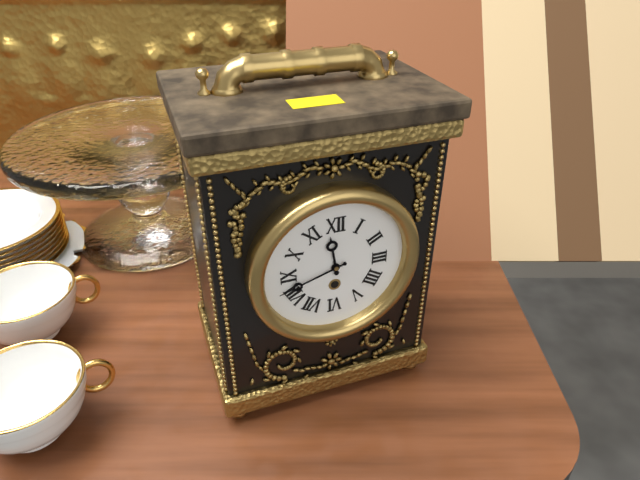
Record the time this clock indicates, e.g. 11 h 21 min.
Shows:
11 h 42 min
